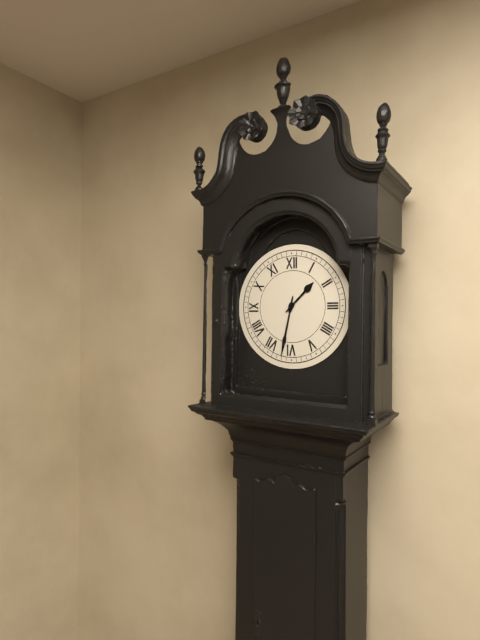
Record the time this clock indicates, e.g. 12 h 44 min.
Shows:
1 h 32 min
